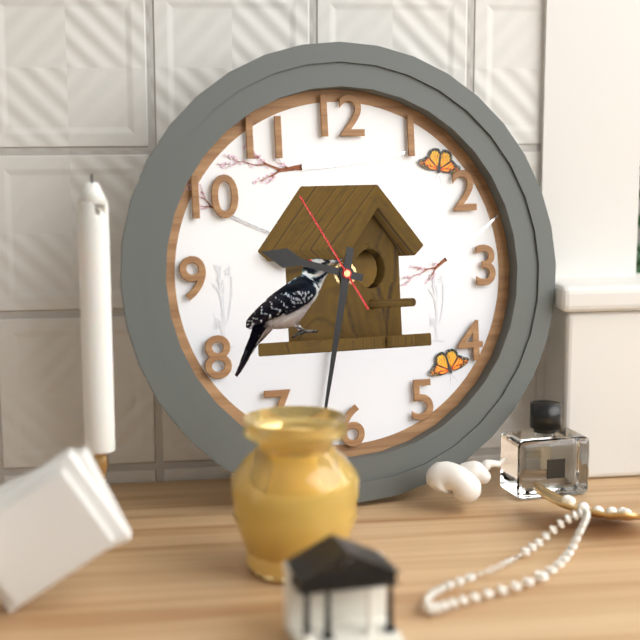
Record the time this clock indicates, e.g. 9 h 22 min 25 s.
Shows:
9 h 32 min 55 s
